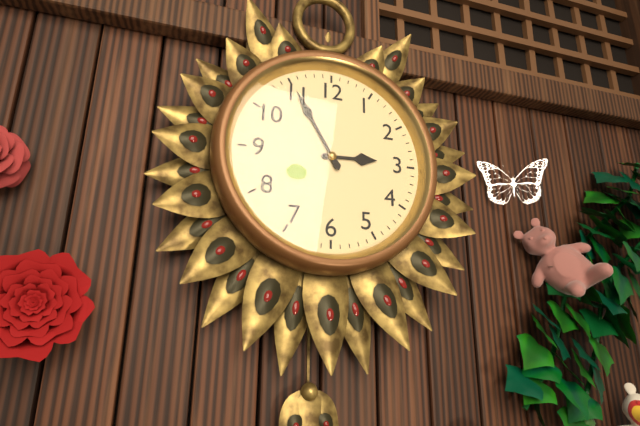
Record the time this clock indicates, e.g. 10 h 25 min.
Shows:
2 h 55 min
